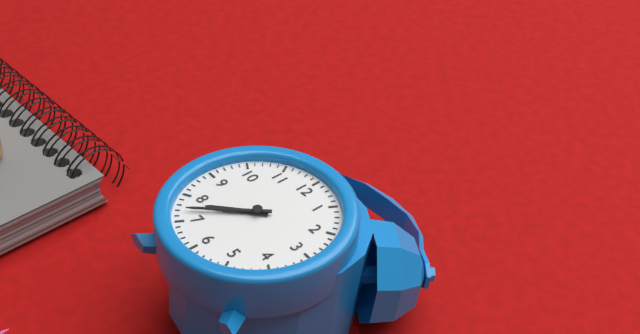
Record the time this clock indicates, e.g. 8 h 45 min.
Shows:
7 h 37 min
